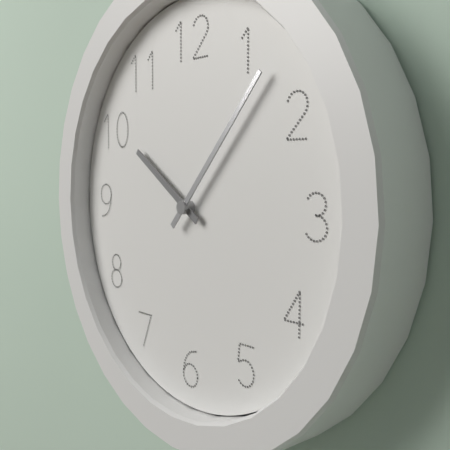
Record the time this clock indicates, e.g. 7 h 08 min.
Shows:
10 h 07 min
